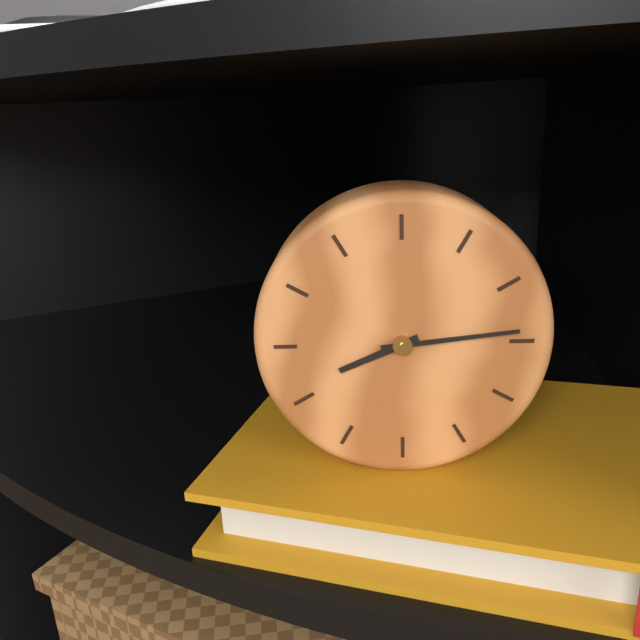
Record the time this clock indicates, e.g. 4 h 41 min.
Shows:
8 h 14 min
